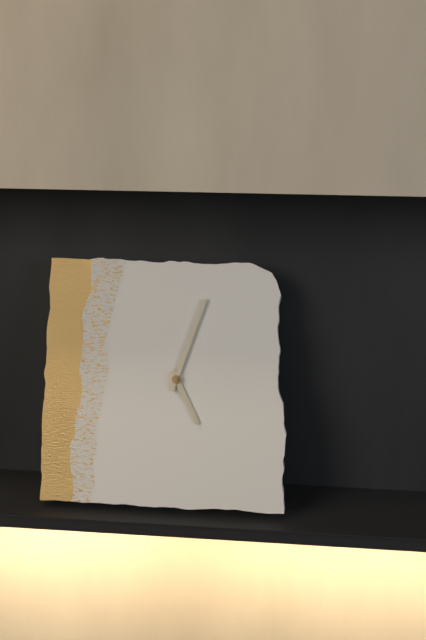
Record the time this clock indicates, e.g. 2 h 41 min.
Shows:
5 h 03 min
